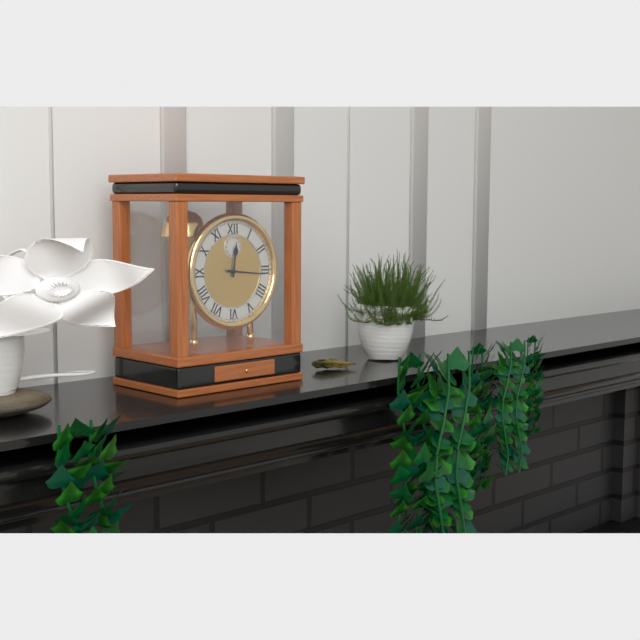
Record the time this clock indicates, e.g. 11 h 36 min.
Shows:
12 h 16 min
